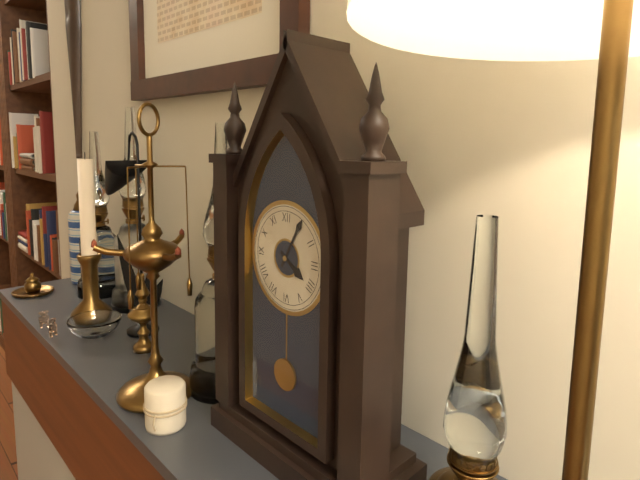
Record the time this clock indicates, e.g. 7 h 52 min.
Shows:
4 h 05 min
